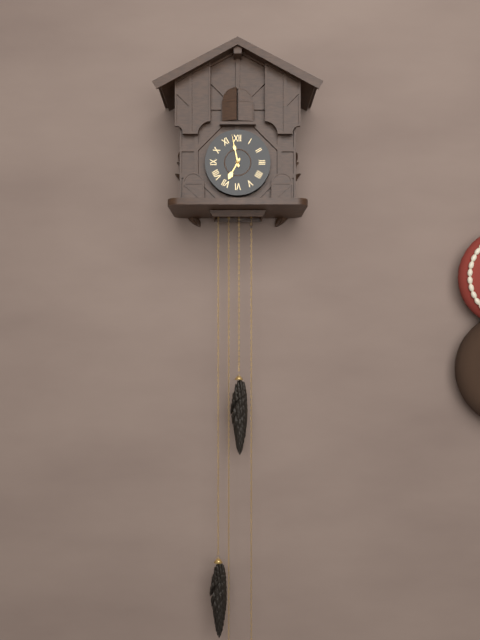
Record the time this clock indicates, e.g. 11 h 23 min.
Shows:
6 h 58 min
